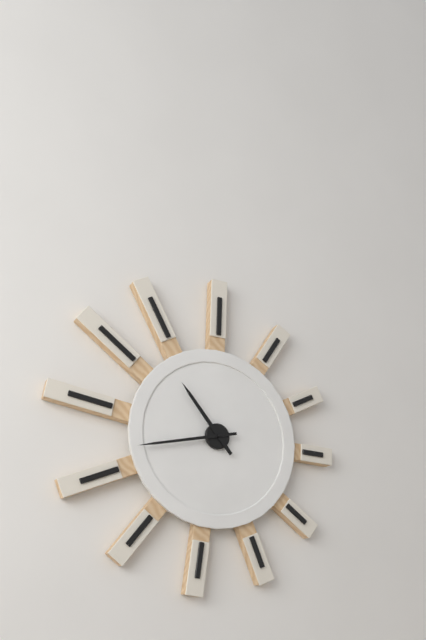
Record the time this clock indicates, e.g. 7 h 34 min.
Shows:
10 h 43 min
